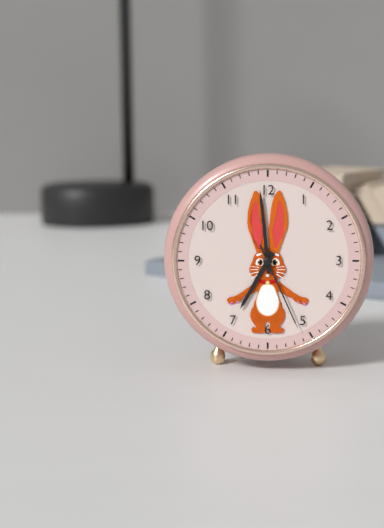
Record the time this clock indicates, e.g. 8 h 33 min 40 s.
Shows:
6 h 59 min 26 s
